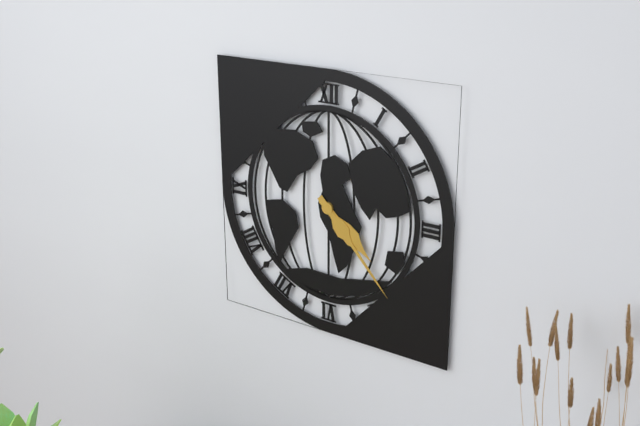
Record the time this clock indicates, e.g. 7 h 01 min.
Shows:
4 h 23 min
